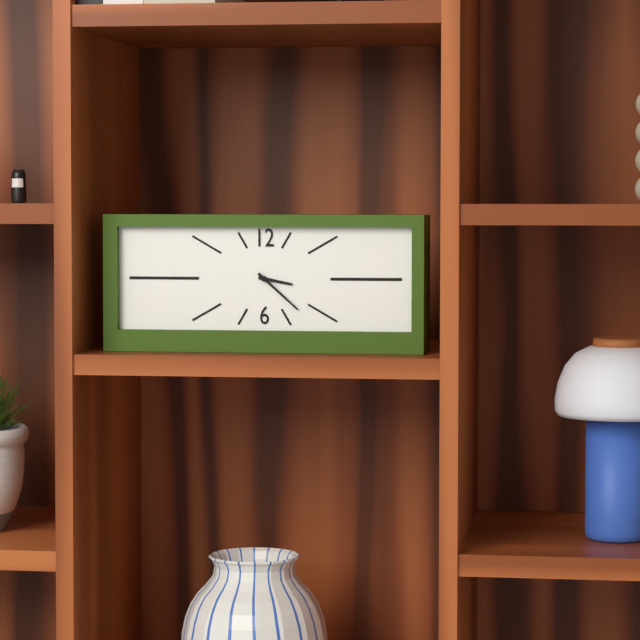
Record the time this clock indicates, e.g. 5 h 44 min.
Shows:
3 h 22 min
